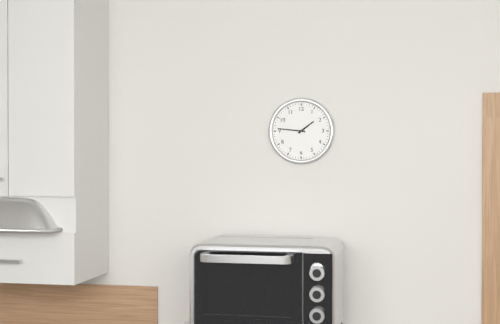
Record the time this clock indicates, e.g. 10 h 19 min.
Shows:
1 h 46 min
